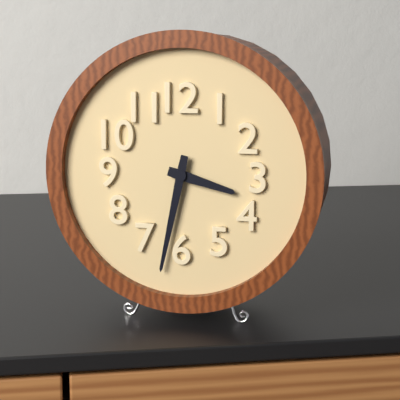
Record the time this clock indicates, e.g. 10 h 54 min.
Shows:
3 h 32 min
